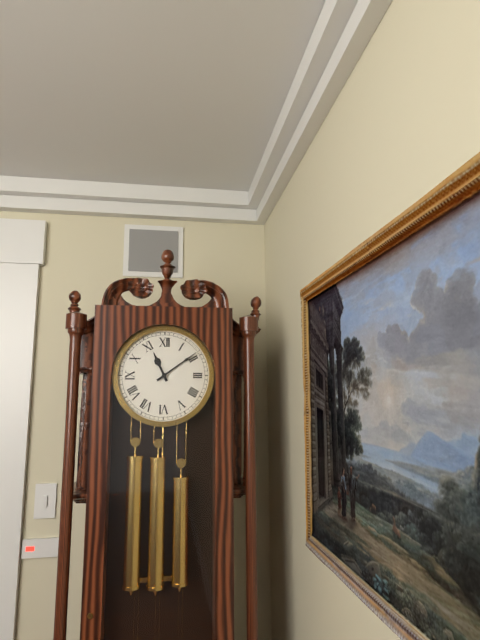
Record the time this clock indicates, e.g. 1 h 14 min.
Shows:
11 h 09 min
